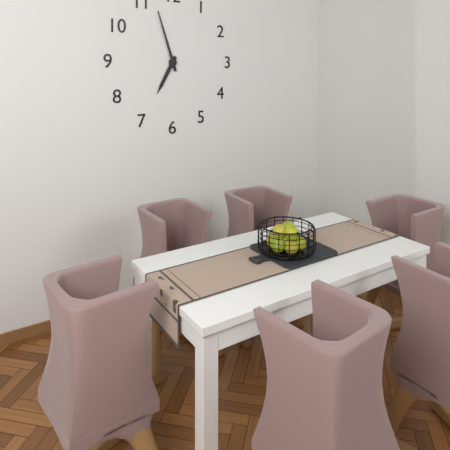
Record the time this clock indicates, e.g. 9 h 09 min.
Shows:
6 h 57 min
